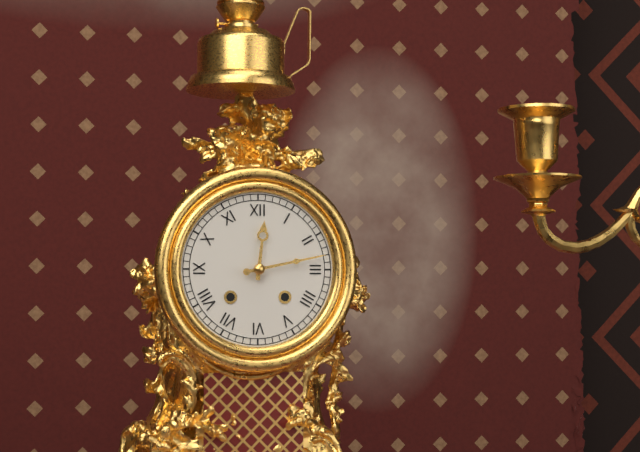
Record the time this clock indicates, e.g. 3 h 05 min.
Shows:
12 h 13 min
